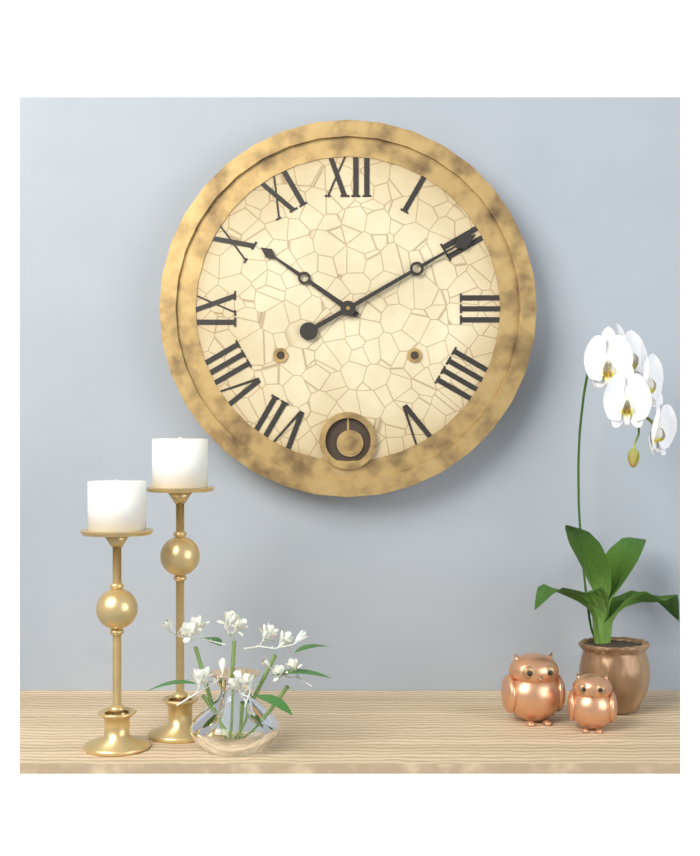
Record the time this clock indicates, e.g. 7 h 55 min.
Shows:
10 h 10 min
